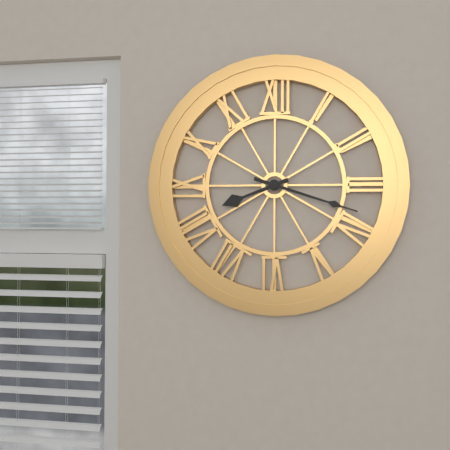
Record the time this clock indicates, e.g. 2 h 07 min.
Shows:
8 h 18 min
